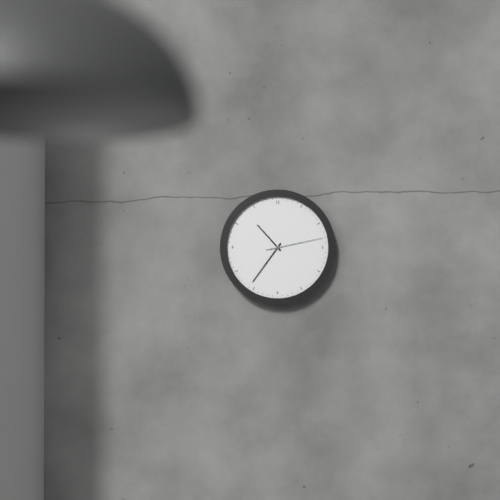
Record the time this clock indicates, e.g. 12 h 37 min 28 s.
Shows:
10 h 36 min 13 s
